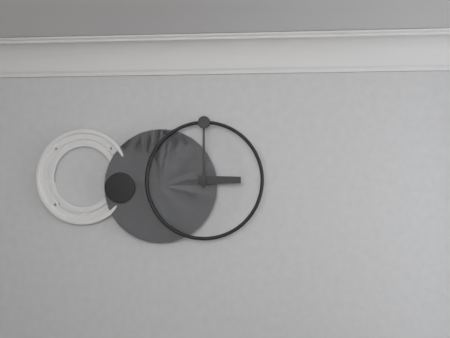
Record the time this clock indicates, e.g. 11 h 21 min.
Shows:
3 h 00 min
